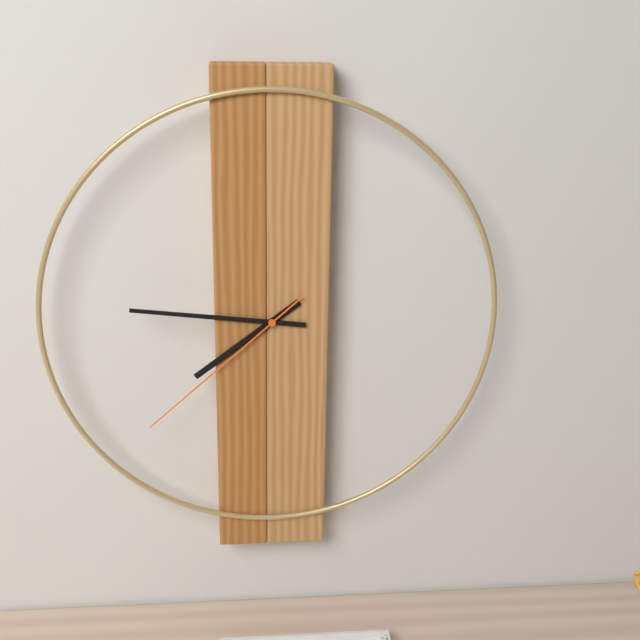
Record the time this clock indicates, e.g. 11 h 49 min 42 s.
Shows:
7 h 46 min 38 s
